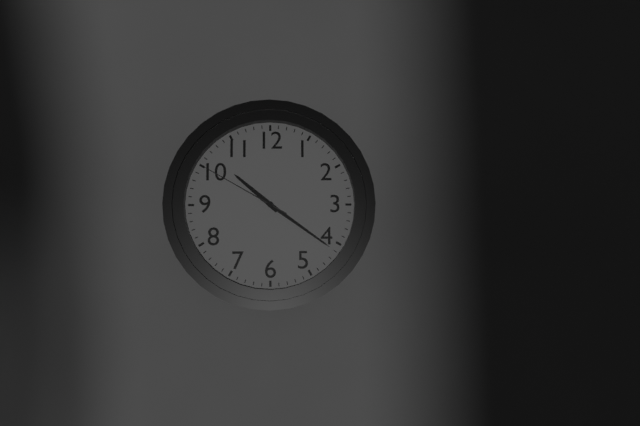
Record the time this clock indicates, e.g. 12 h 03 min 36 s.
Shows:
10 h 21 min 50 s
